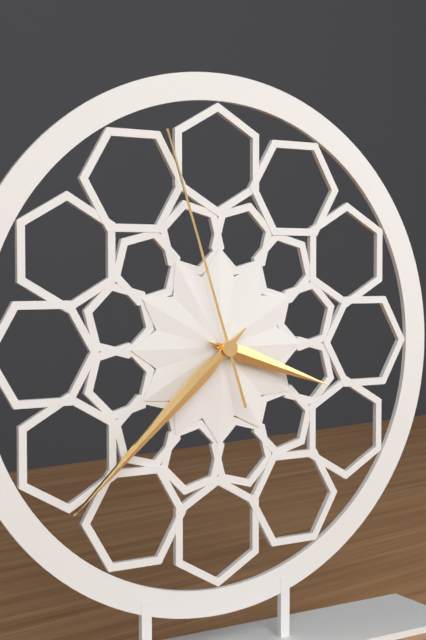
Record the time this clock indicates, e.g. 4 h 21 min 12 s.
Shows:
3 h 38 min 57 s
